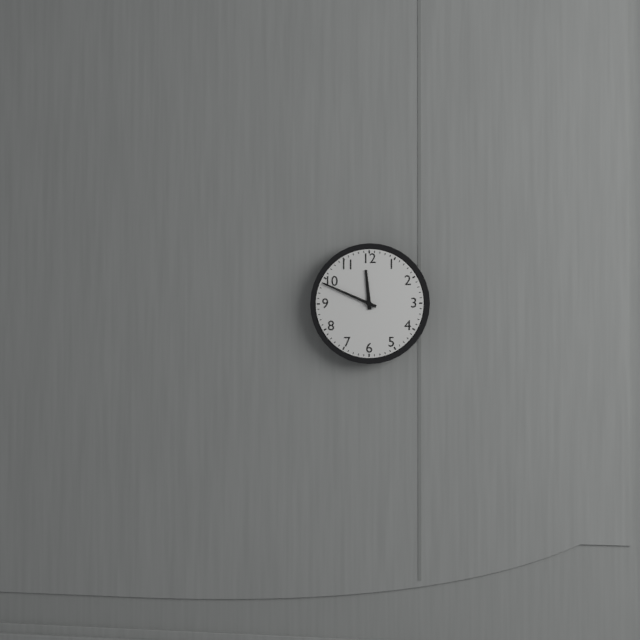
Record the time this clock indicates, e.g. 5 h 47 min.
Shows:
11 h 49 min
